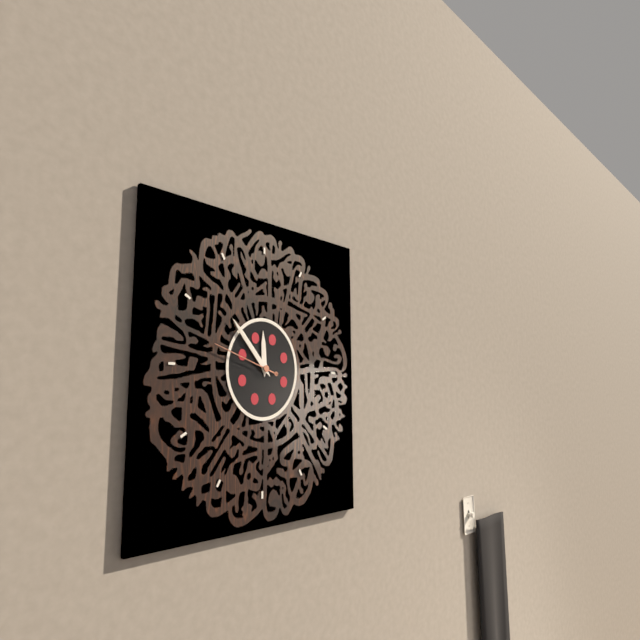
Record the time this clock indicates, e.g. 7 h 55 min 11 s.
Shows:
11 h 53 min 48 s
